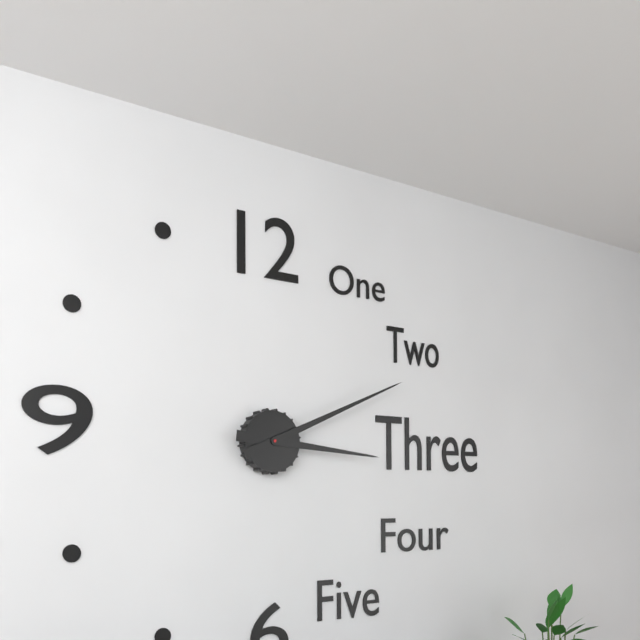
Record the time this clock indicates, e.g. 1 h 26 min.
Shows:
3 h 11 min
